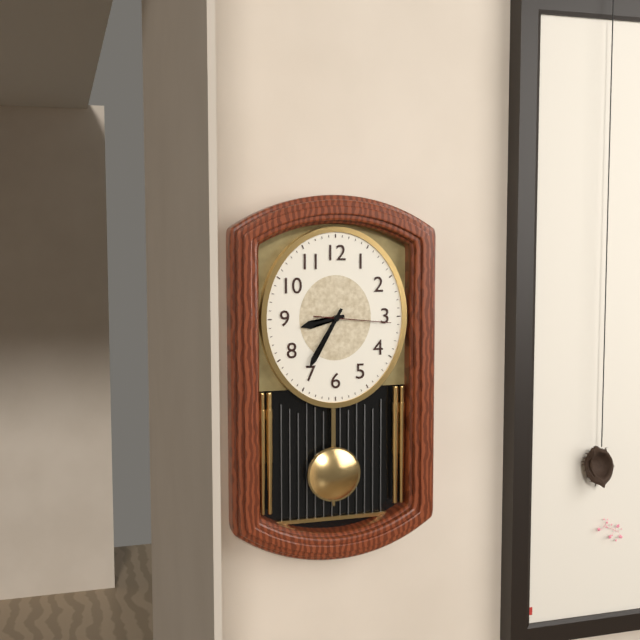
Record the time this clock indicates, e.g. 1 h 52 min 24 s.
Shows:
8 h 35 min 16 s
